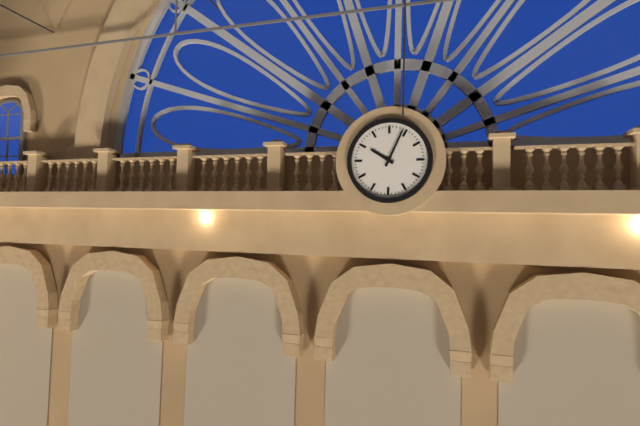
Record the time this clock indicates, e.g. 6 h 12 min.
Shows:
10 h 04 min
